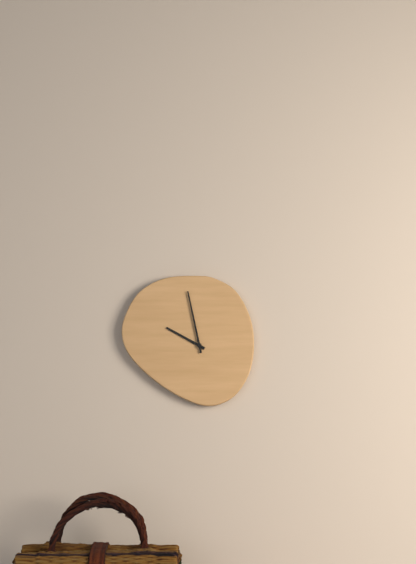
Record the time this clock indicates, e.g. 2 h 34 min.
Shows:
9 h 58 min
